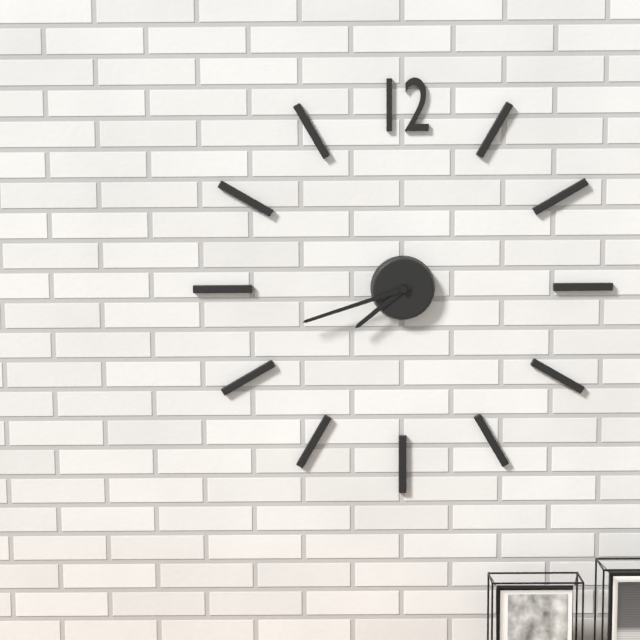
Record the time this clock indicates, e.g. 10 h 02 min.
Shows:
7 h 42 min
